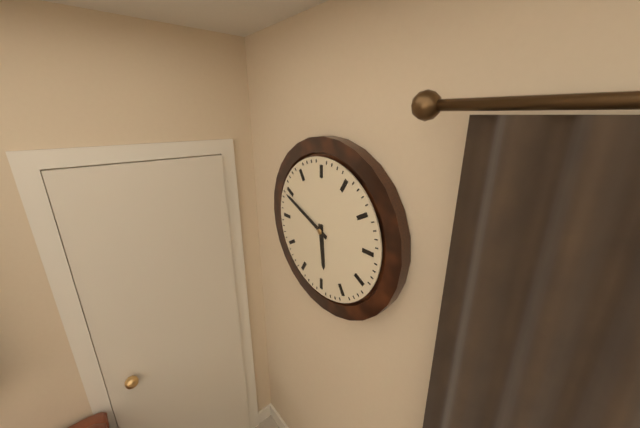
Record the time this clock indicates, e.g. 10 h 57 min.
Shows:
5 h 49 min
